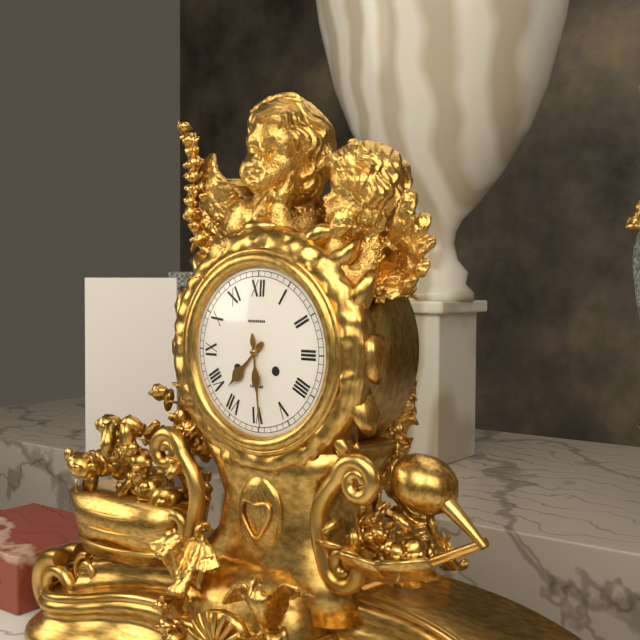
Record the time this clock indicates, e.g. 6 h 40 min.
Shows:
7 h 29 min
